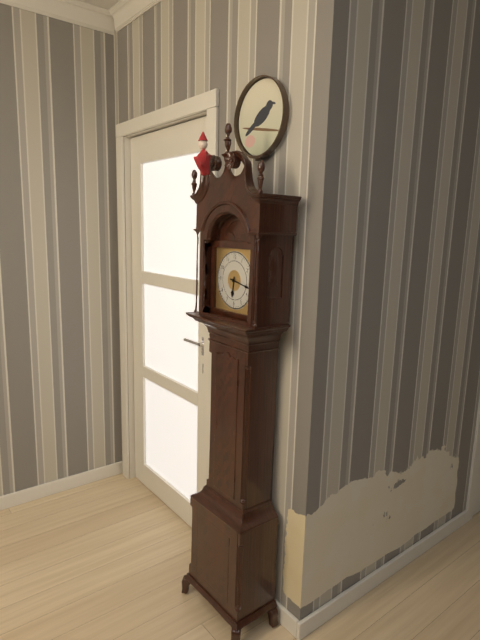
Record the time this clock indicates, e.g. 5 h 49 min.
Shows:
6 h 17 min
